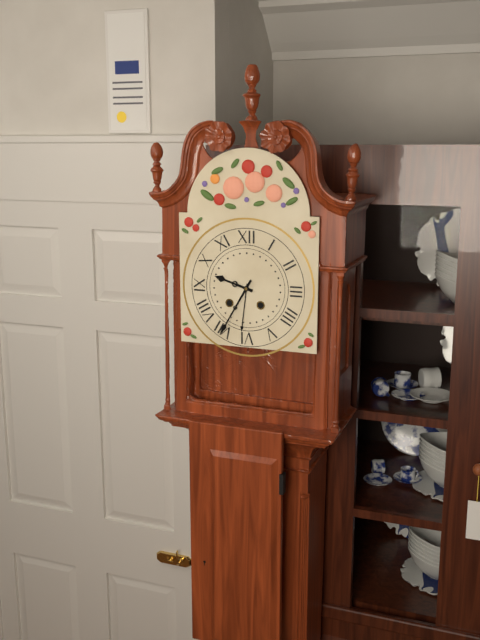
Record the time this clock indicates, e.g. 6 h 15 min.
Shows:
9 h 35 min
